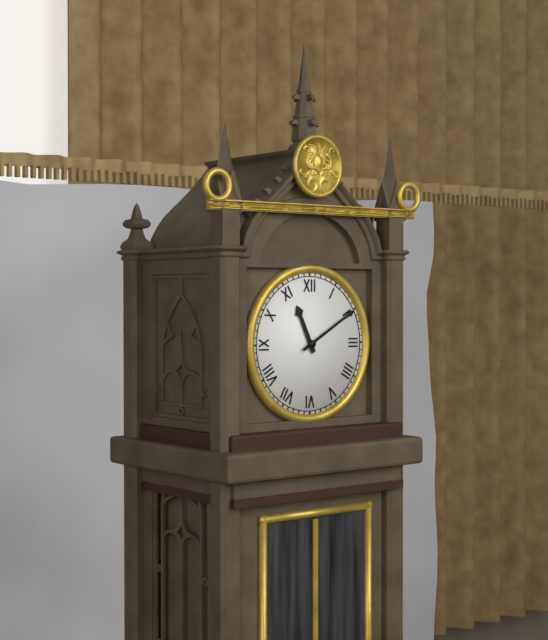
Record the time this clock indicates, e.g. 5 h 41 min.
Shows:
11 h 10 min
